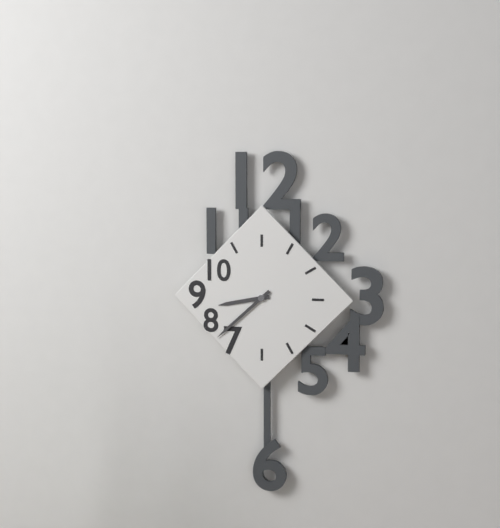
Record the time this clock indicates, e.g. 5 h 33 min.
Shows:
8 h 38 min
